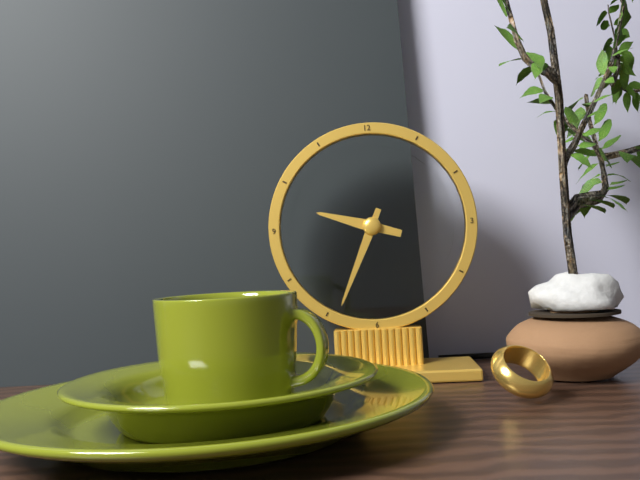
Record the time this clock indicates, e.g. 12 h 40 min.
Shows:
9 h 34 min
